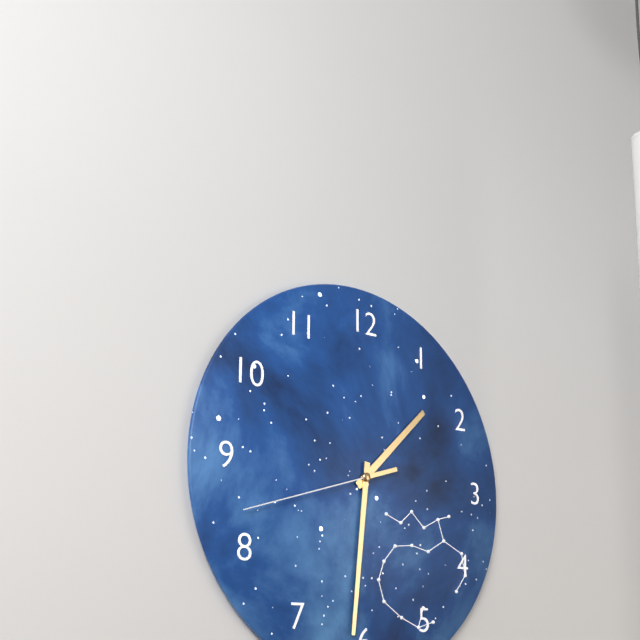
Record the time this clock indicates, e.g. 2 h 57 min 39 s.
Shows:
1 h 31 min 42 s
